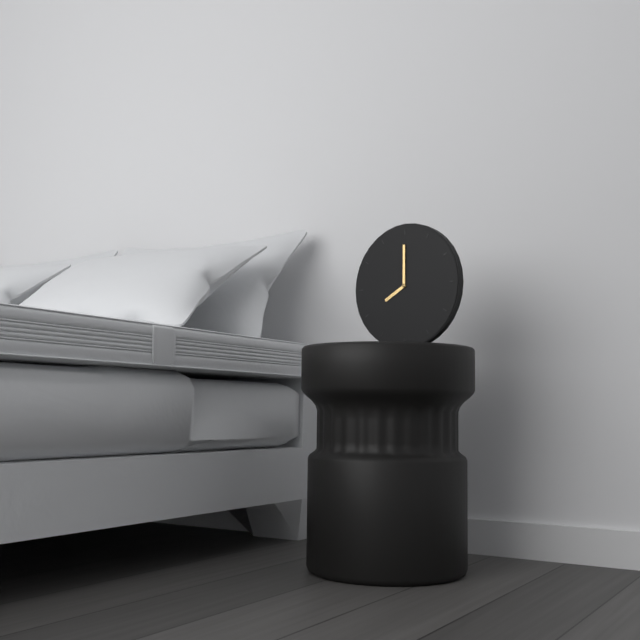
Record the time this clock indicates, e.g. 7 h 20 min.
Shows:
8 h 00 min
